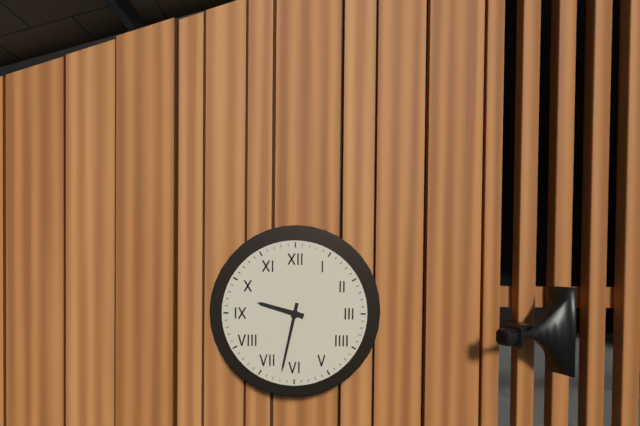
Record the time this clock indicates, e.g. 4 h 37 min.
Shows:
9 h 32 min
